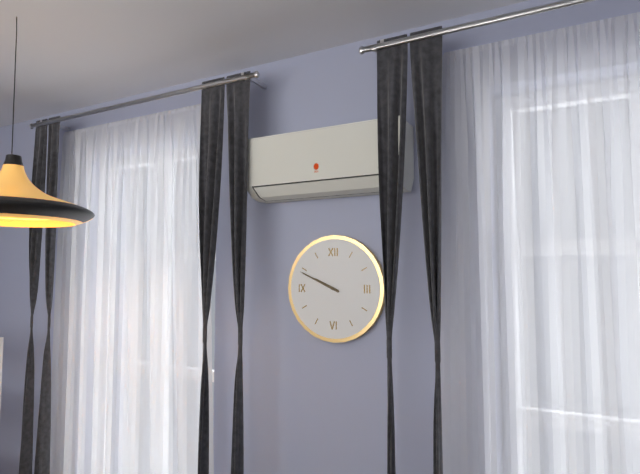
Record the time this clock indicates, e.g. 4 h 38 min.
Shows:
9 h 49 min
